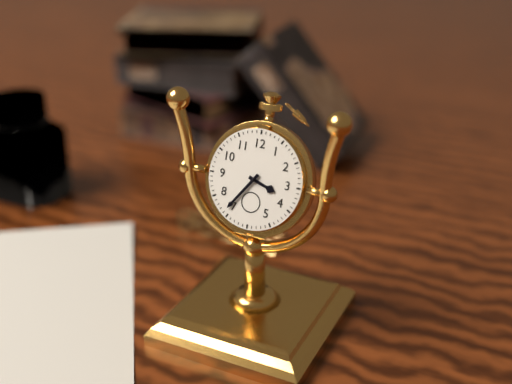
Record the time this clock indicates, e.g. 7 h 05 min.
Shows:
3 h 36 min
